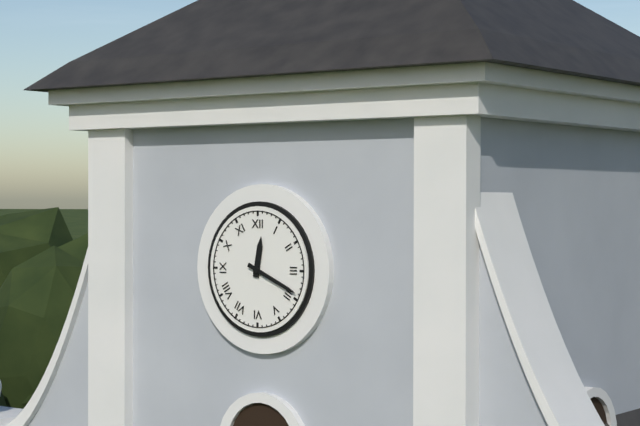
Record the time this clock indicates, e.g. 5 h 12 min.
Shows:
12 h 19 min
